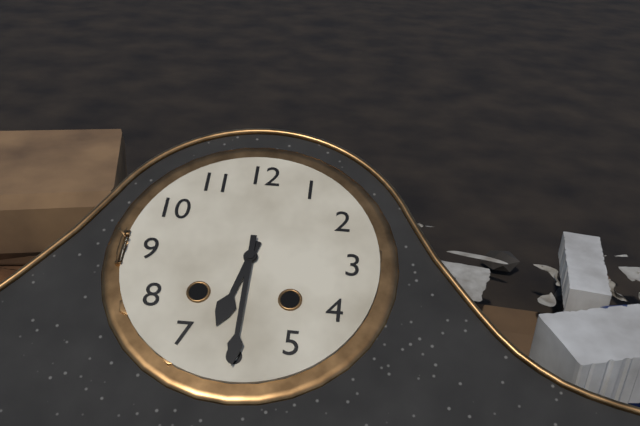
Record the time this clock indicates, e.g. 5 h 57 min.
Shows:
6 h 30 min
